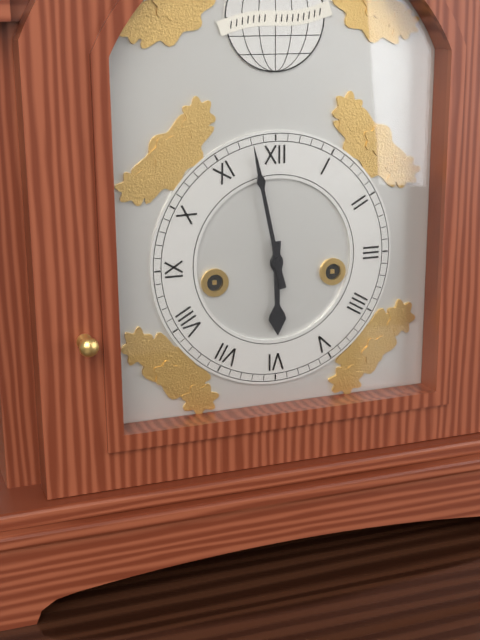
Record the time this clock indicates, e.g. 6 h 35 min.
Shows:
5 h 58 min
